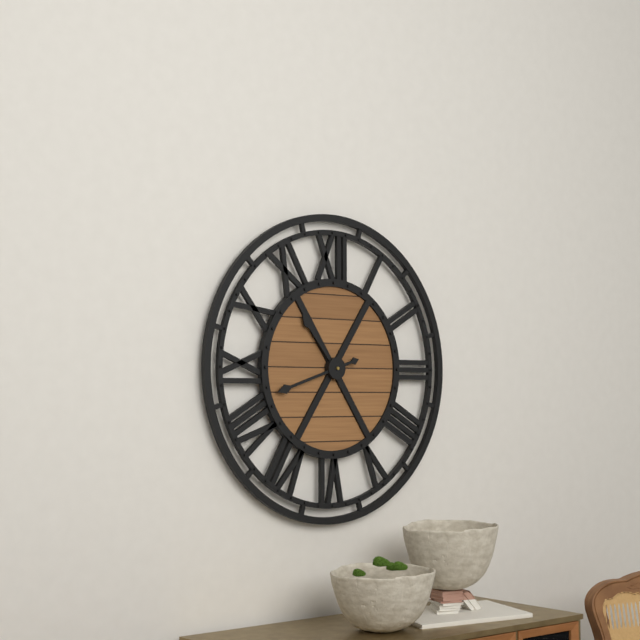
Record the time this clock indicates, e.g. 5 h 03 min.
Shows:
10 h 42 min
